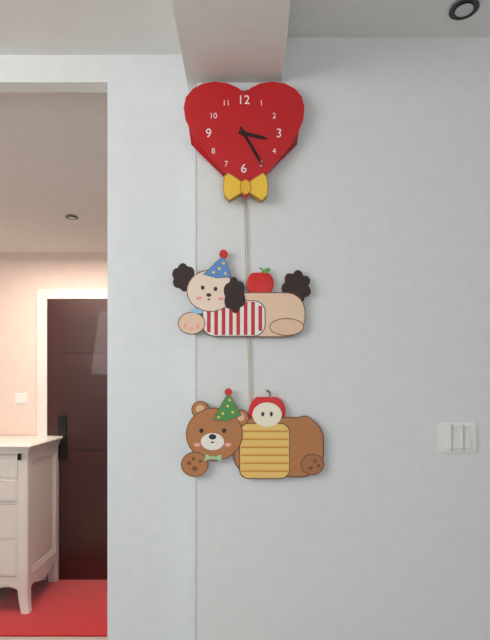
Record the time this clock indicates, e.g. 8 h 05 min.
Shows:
3 h 25 min
